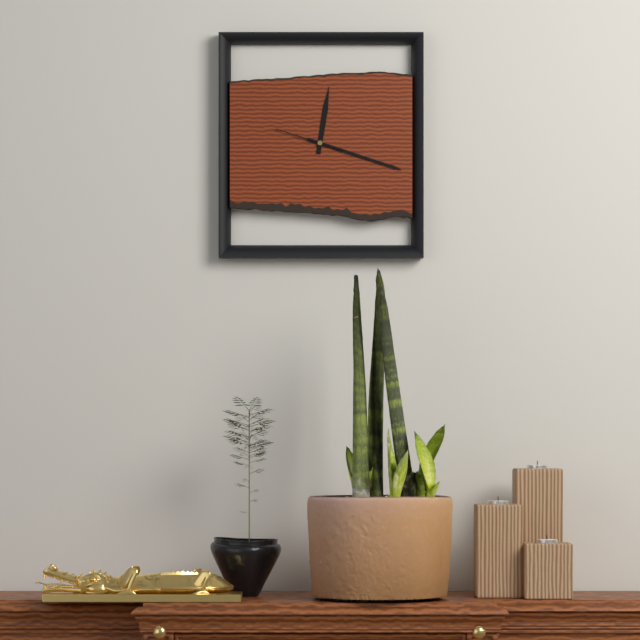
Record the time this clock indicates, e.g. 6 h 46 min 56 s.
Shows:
12 h 18 min 48 s
